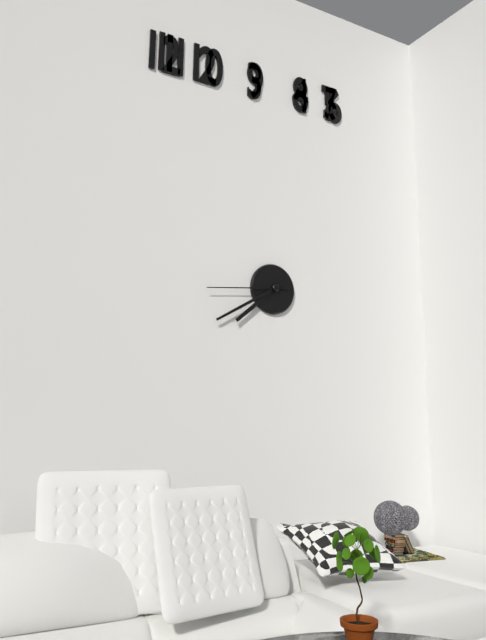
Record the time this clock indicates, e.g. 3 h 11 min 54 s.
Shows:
7 h 40 min 44 s
